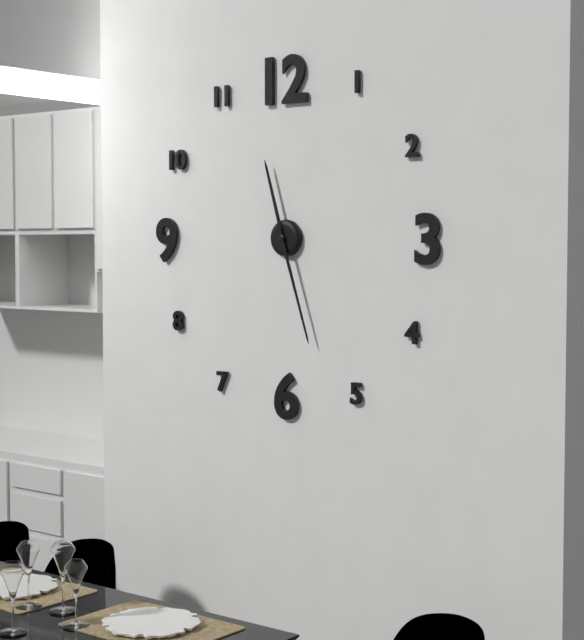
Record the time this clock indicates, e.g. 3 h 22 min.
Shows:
11 h 27 min
